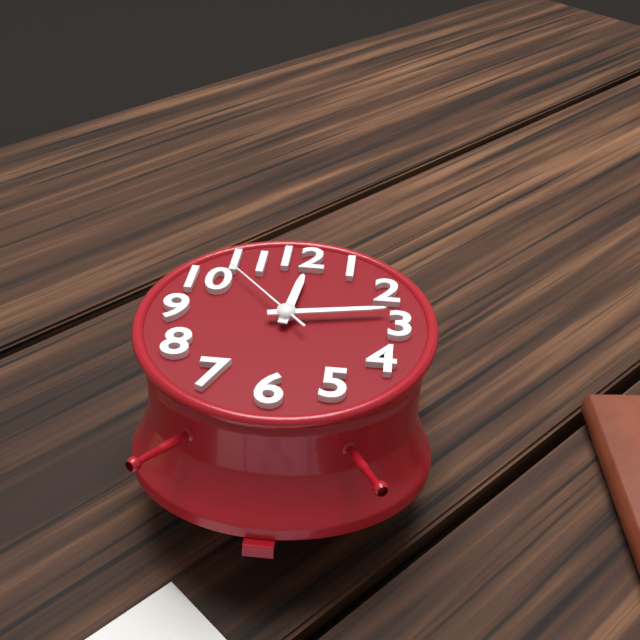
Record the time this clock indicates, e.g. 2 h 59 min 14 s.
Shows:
12 h 13 min 53 s
